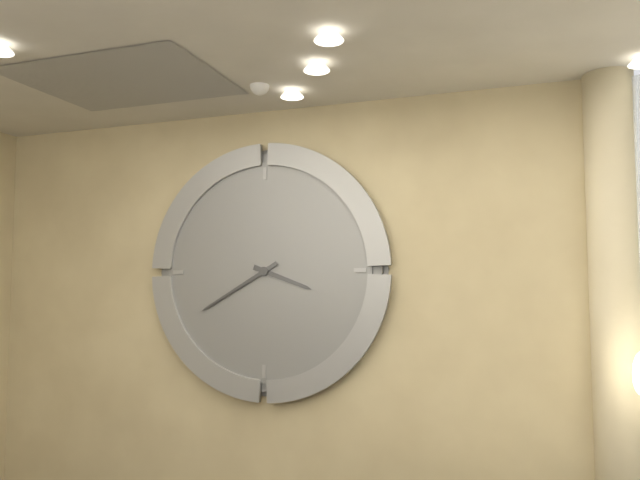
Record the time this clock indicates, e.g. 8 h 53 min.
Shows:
3 h 40 min
